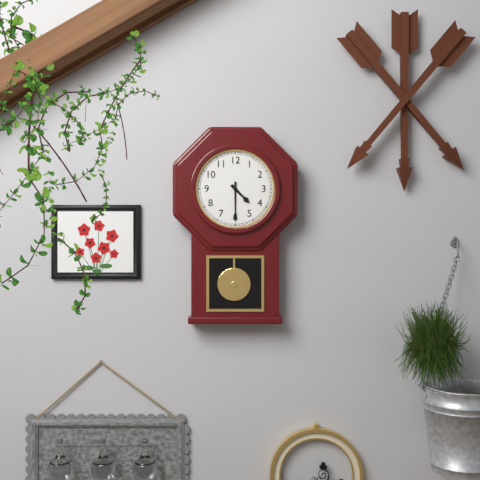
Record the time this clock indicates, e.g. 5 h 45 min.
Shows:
4 h 30 min
